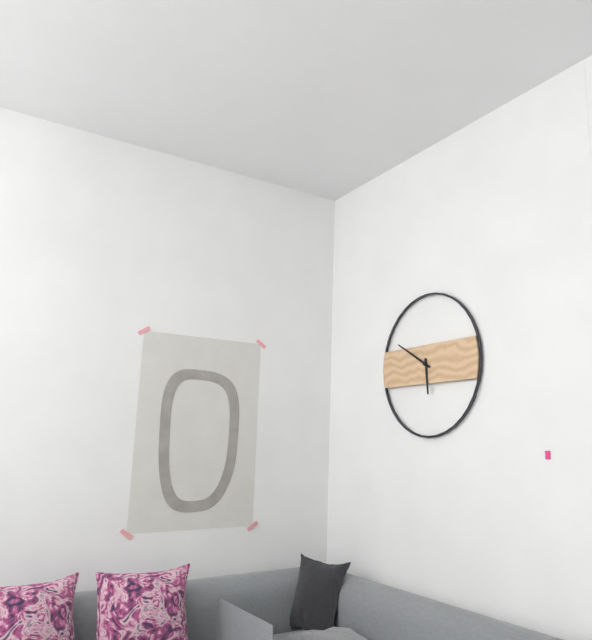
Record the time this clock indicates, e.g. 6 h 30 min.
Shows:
5 h 50 min
